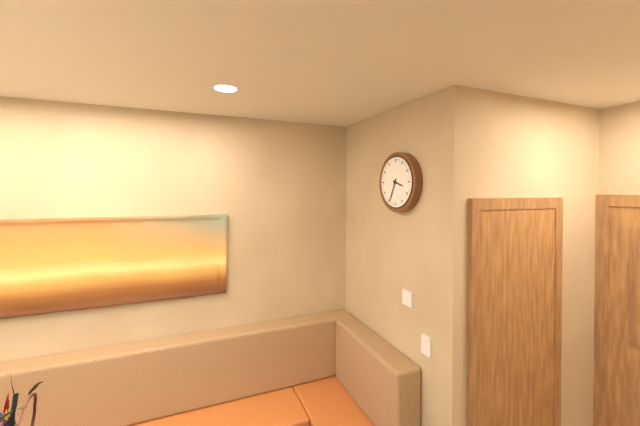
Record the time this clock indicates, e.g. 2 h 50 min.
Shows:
3 h 34 min
